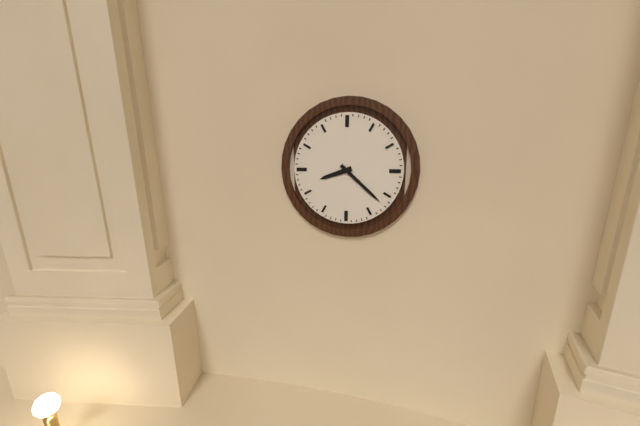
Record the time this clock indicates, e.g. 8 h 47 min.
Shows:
8 h 22 min
